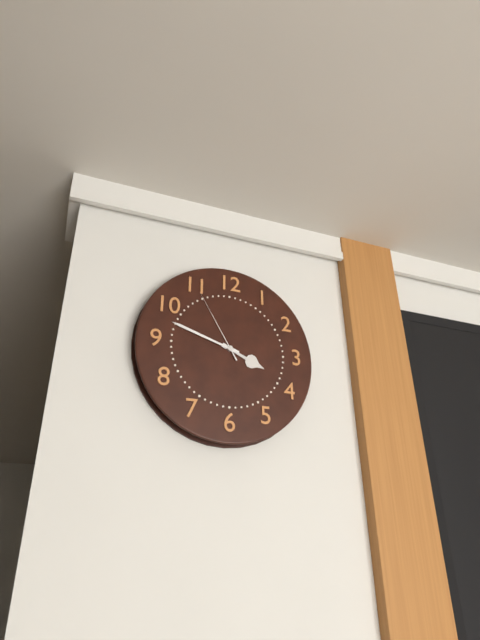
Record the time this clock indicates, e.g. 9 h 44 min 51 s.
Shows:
3 h 48 min 55 s
